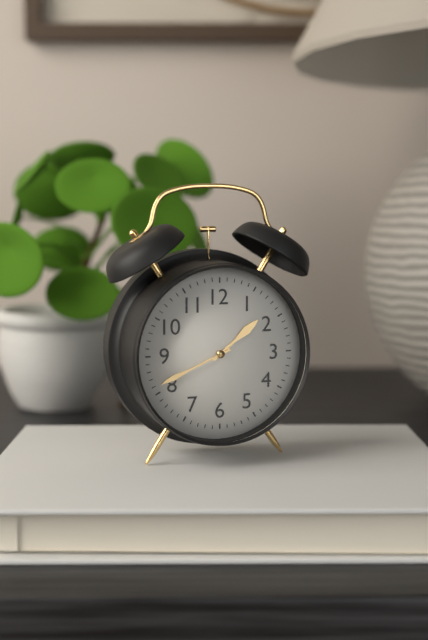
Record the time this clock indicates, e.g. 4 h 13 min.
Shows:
1 h 41 min
